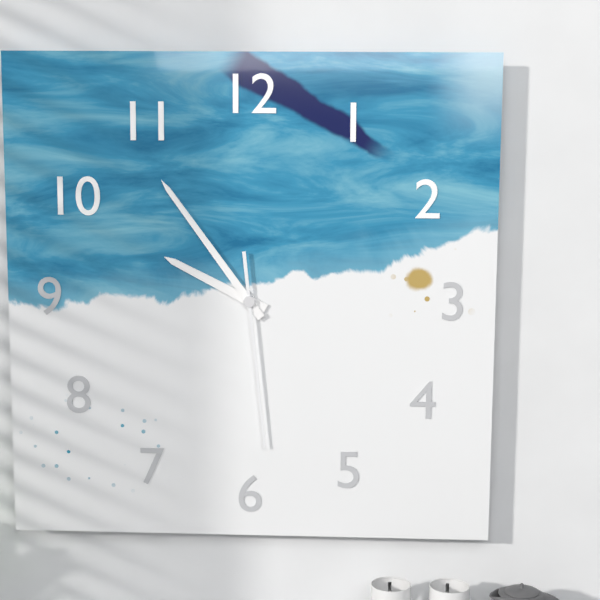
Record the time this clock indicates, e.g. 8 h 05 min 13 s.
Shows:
9 h 54 min 29 s
